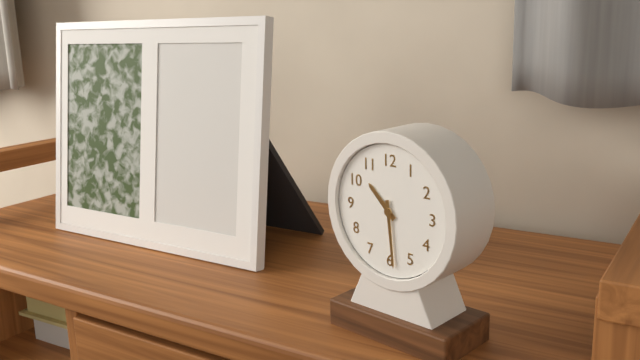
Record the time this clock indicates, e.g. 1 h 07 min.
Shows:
10 h 29 min
